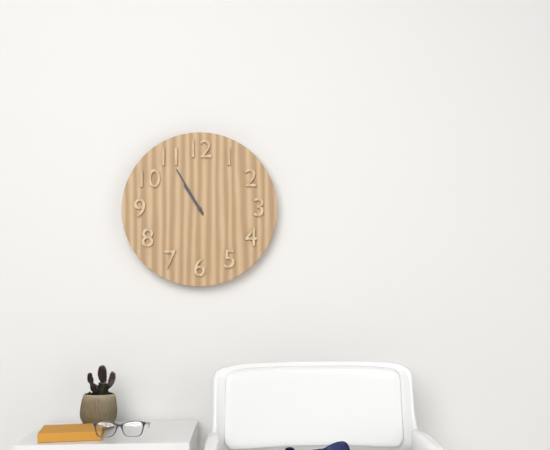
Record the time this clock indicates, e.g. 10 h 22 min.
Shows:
10 h 55 min
